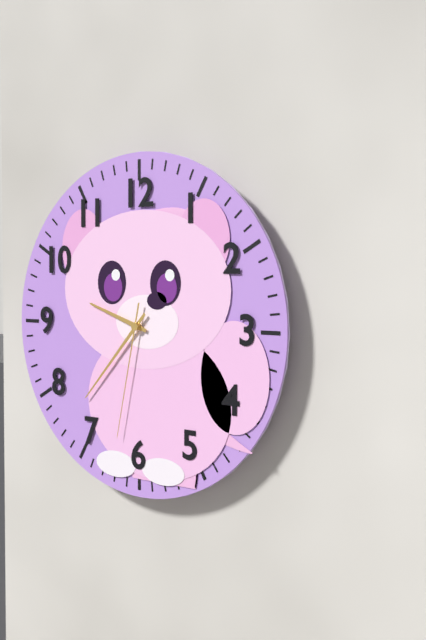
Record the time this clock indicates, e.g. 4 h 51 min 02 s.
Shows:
9 h 37 min 32 s
